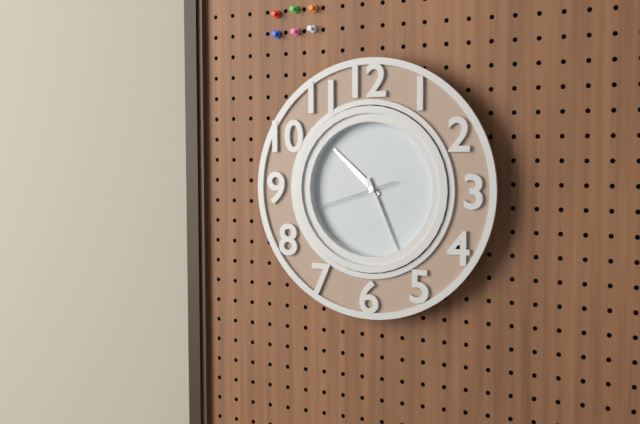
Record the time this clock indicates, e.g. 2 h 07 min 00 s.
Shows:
10 h 26 min 42 s
